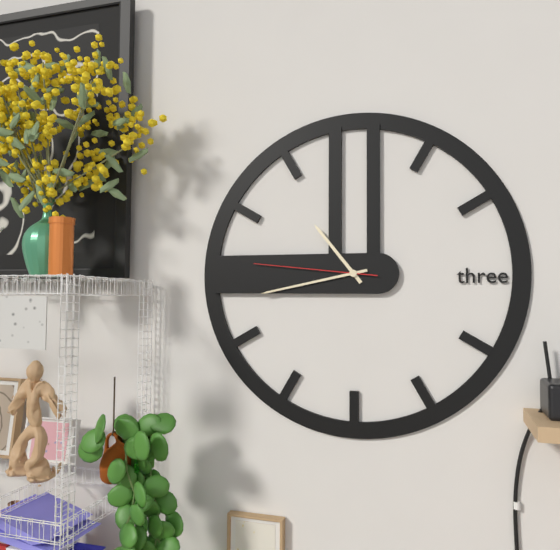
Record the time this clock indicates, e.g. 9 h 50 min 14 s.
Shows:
10 h 43 min 46 s
